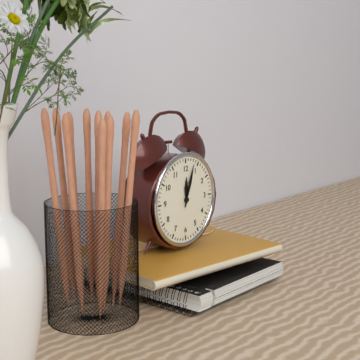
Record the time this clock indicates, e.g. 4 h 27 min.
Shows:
12 h 03 min
